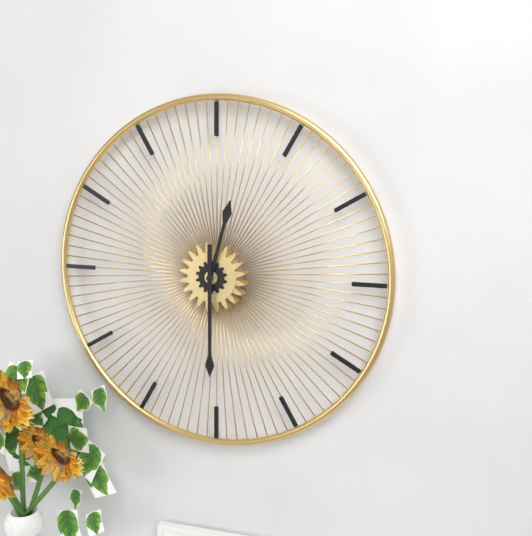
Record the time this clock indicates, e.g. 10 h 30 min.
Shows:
12 h 30 min
